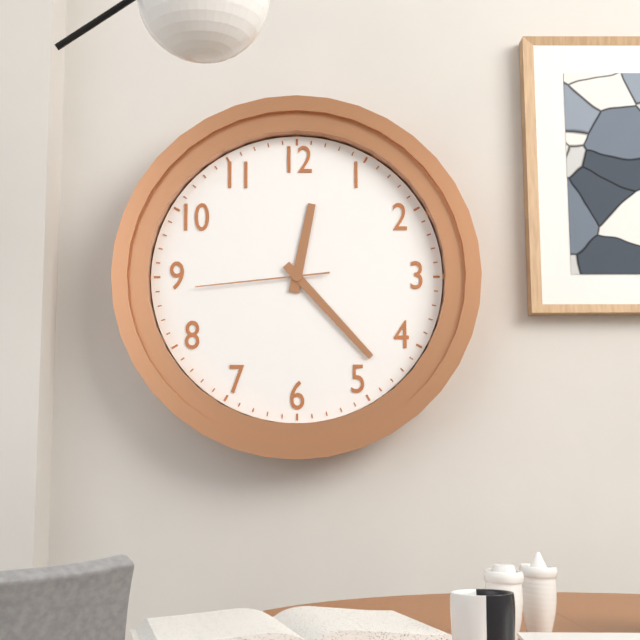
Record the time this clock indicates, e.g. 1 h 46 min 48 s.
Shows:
12 h 23 min 44 s
